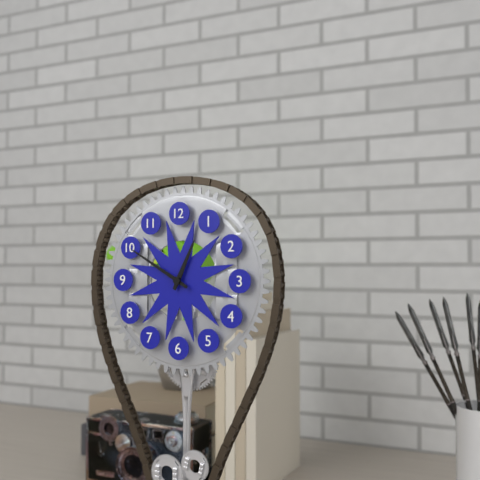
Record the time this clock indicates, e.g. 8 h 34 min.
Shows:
12 h 50 min
